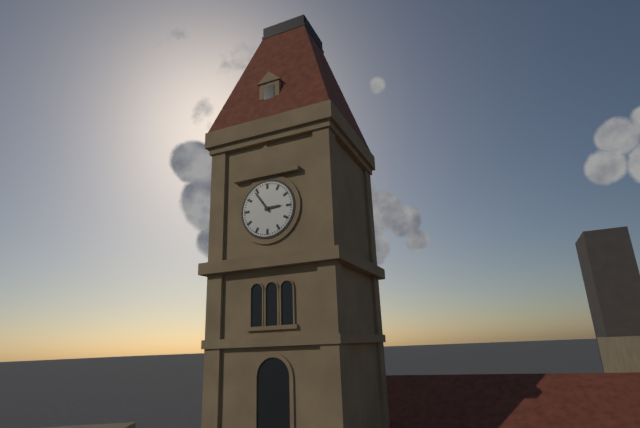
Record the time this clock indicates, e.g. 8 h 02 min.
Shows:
2 h 54 min
